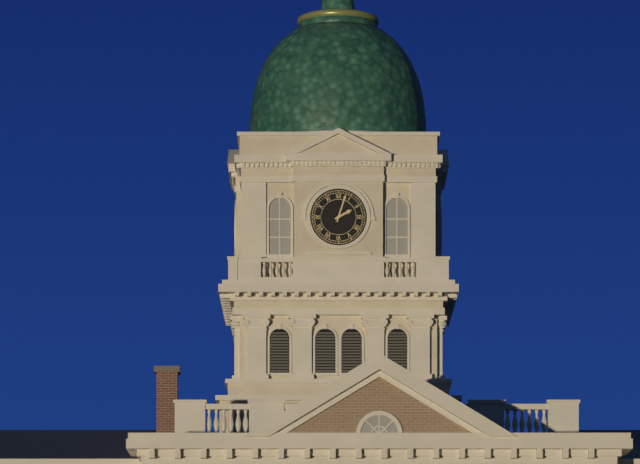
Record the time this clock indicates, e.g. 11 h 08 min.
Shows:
2 h 03 min
